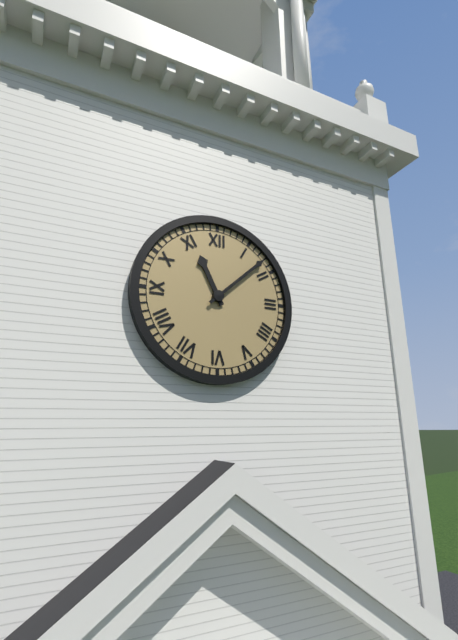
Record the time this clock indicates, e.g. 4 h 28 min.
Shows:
11 h 08 min
